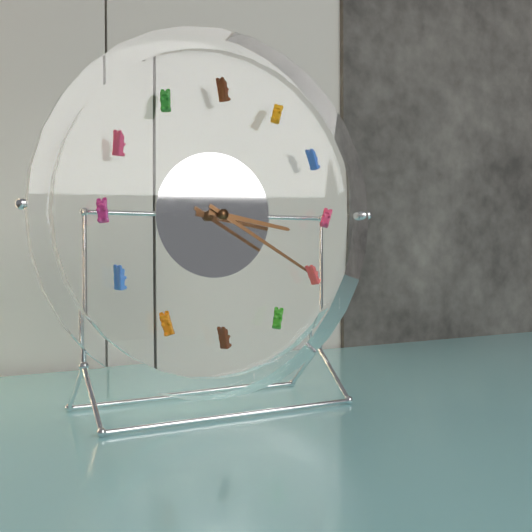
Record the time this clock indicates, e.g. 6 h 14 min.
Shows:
3 h 20 min
